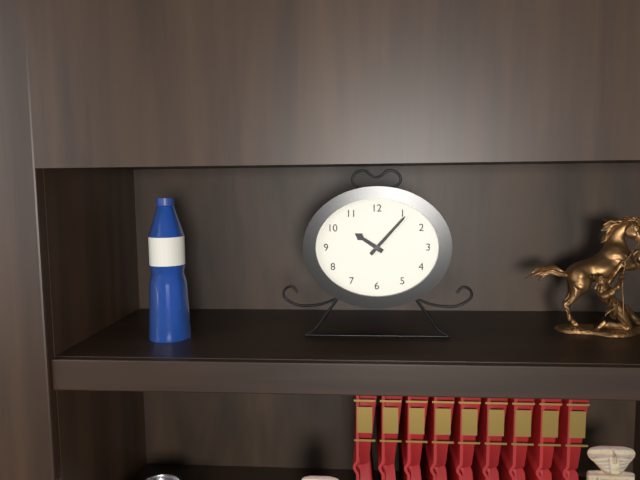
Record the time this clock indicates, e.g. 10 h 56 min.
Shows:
10 h 07 min
